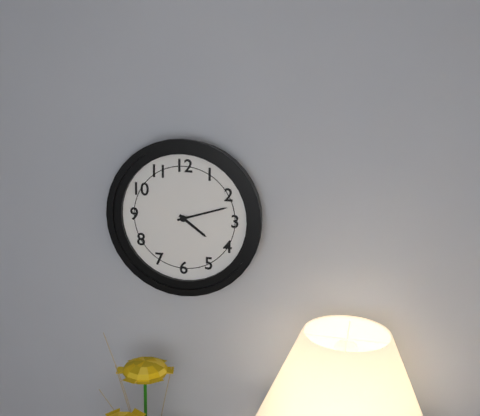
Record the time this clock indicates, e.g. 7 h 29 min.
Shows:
4 h 12 min
